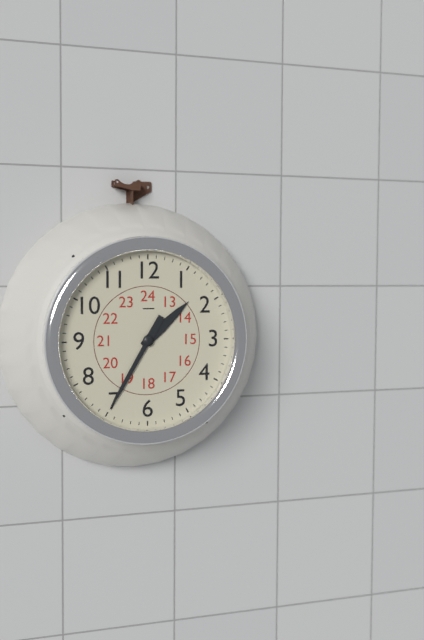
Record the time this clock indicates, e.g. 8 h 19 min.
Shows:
1 h 35 min
